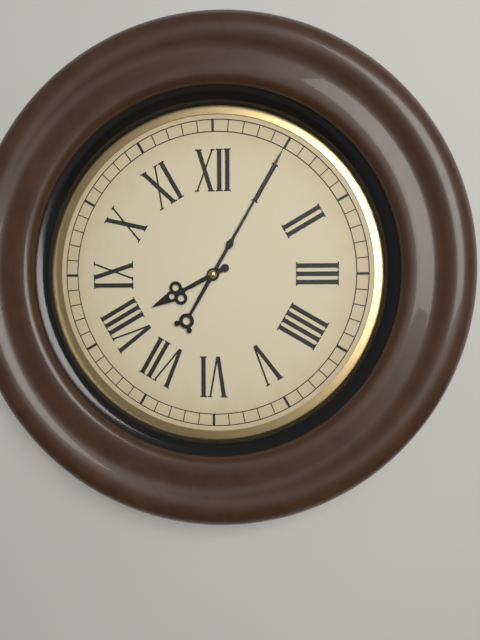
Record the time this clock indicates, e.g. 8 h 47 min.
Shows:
8 h 05 min
